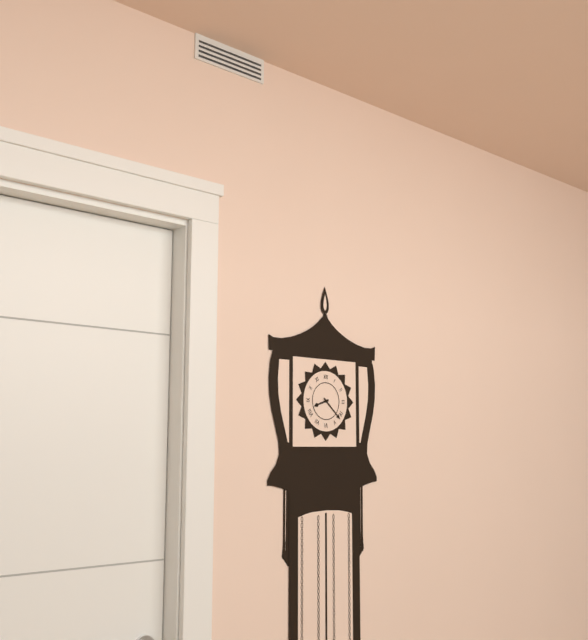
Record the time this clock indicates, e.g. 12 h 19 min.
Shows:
8 h 22 min
